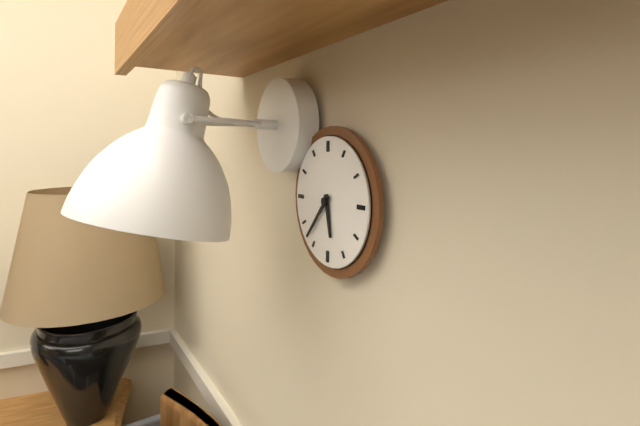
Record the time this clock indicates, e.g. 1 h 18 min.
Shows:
5 h 37 min
